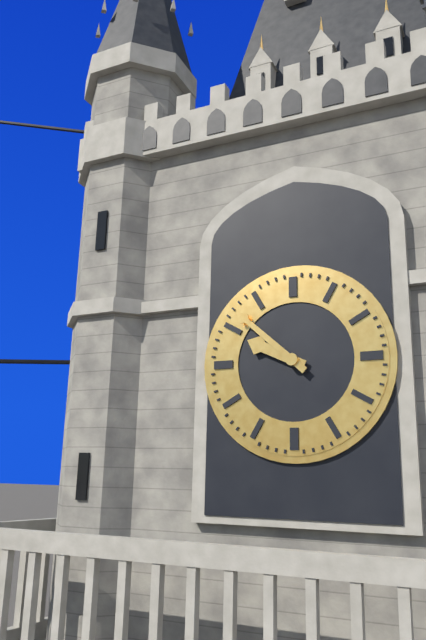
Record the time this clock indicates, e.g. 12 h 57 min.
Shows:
9 h 52 min
